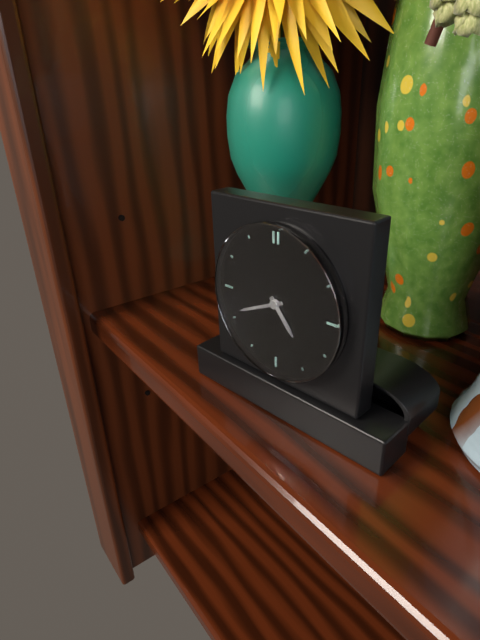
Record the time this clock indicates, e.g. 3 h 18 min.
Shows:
4 h 41 min
